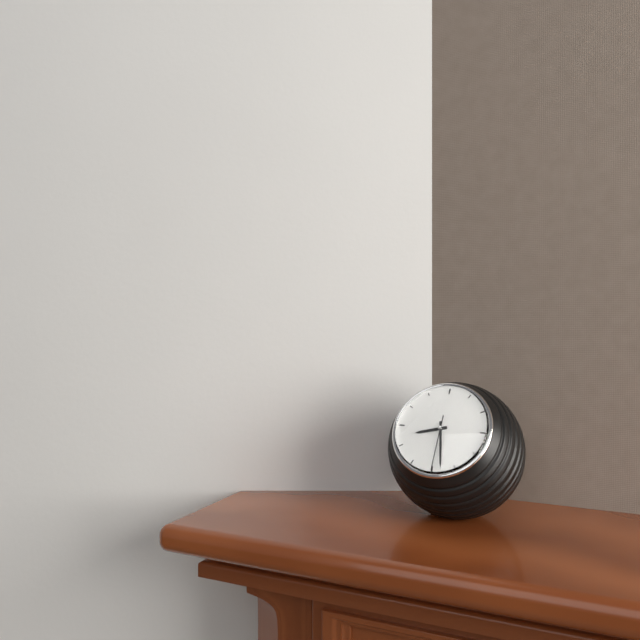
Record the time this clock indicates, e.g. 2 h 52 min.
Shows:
8 h 28 min
